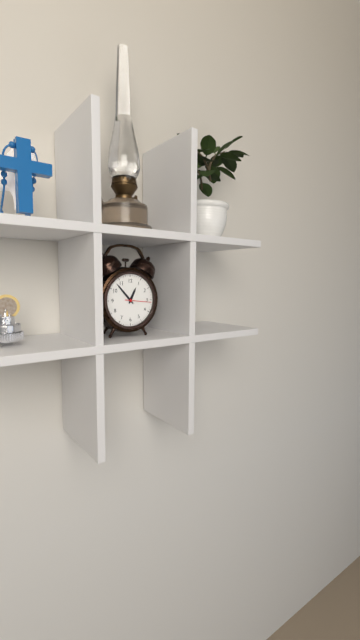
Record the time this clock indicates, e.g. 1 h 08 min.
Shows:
12 h 53 min
